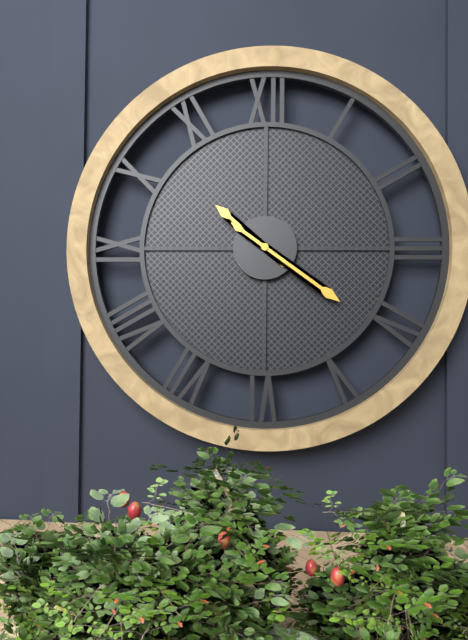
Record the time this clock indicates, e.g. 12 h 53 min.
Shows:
10 h 21 min
